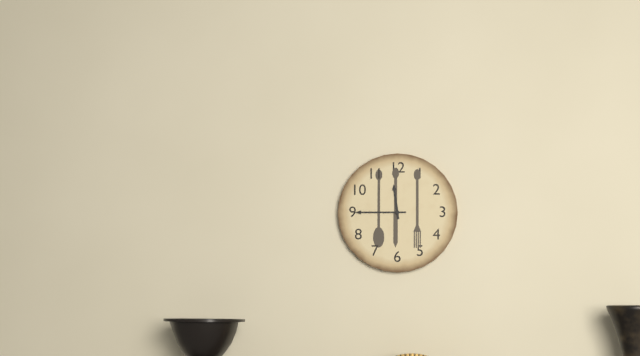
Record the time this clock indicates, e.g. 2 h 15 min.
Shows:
11 h 45 min
